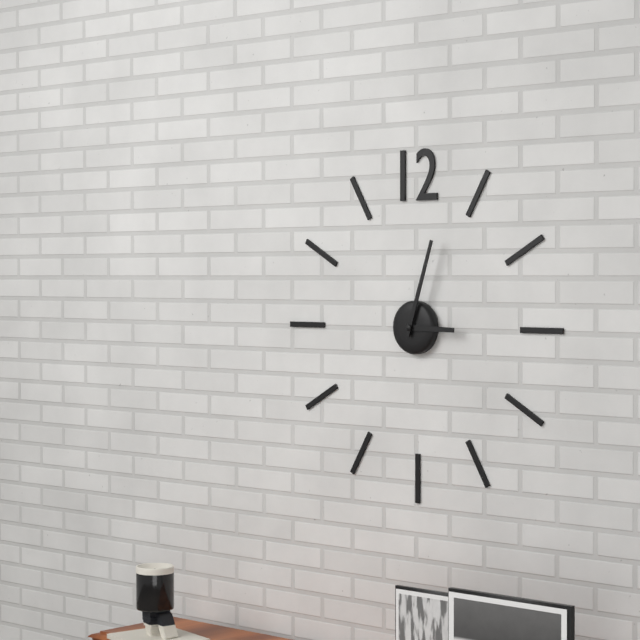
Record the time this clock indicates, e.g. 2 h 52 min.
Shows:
3 h 03 min
